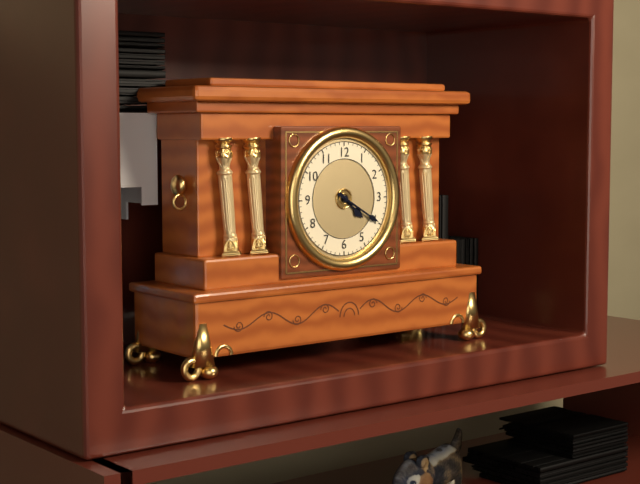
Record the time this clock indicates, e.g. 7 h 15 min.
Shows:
4 h 20 min
